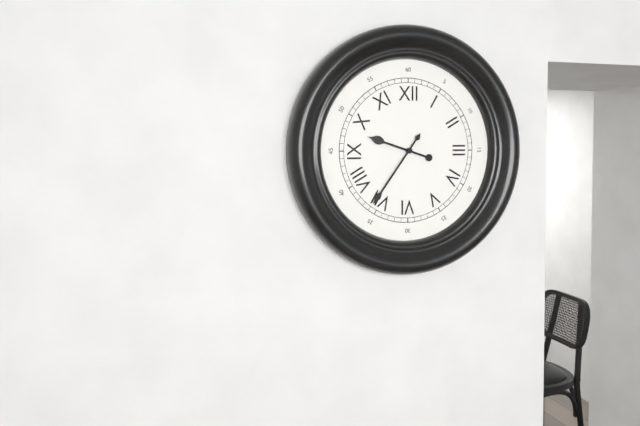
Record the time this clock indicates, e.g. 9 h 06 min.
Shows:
9 h 36 min
